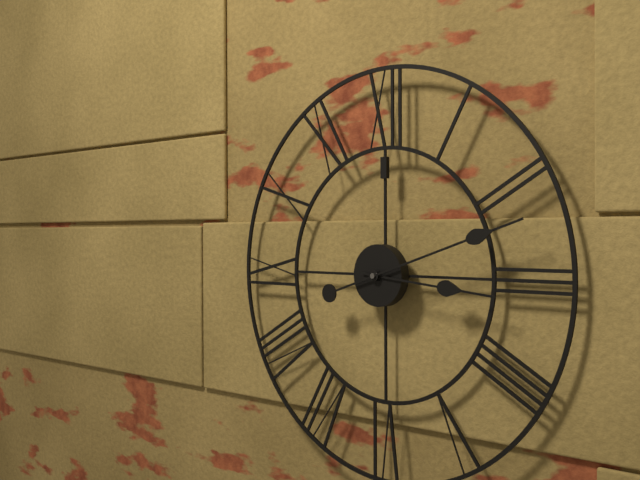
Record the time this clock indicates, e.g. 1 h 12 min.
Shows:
3 h 12 min
